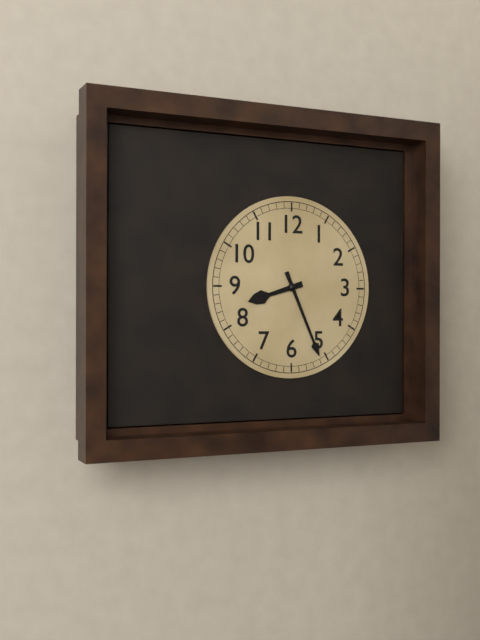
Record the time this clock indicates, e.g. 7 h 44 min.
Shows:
8 h 26 min
